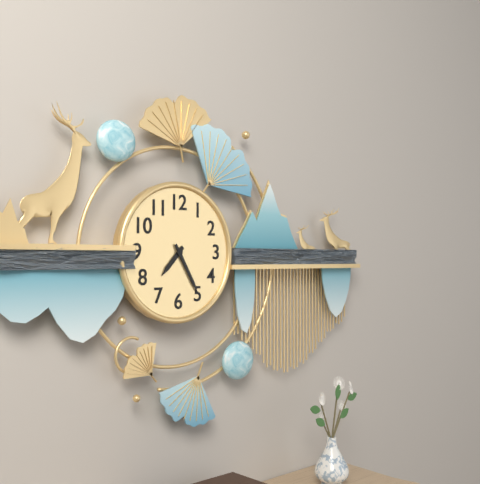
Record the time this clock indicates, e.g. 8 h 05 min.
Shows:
7 h 25 min
